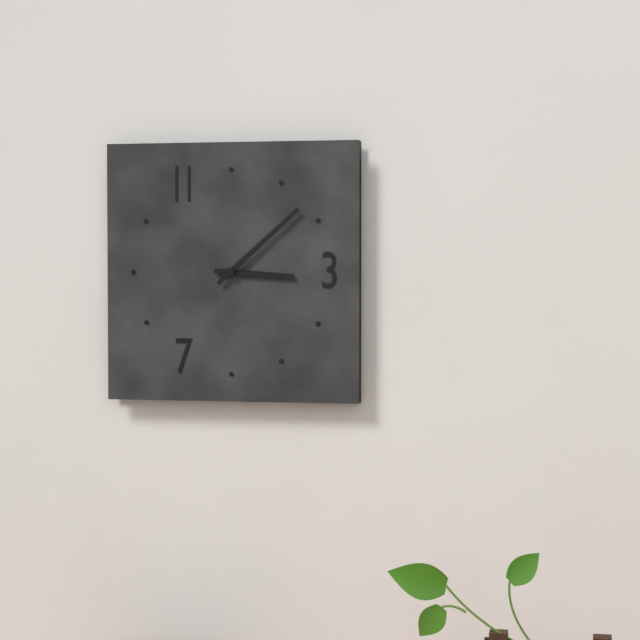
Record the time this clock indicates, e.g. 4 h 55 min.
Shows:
3 h 08 min
